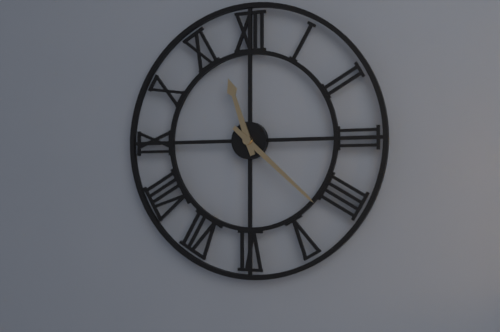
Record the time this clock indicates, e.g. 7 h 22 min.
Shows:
11 h 22 min
